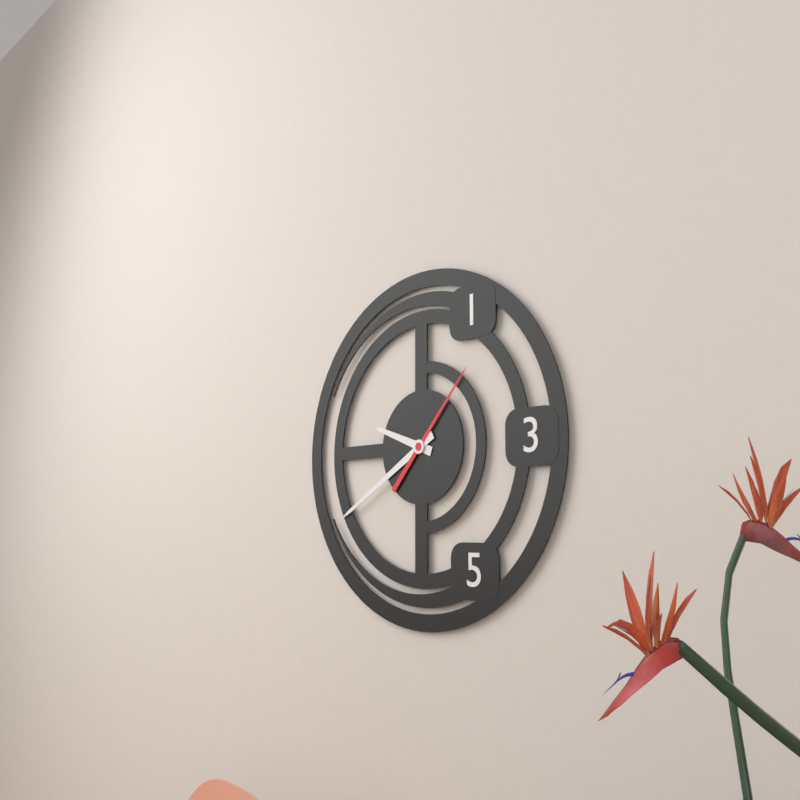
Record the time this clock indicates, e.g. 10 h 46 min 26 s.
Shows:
9 h 40 min 07 s
